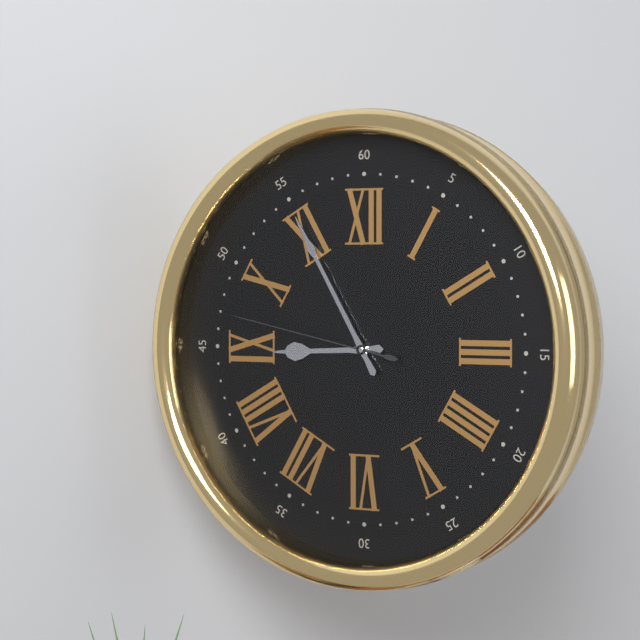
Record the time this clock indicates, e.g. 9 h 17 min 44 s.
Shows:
8 h 55 min 47 s
